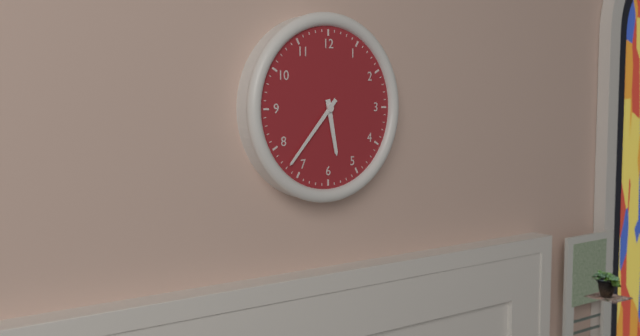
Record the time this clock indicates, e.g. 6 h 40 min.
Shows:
5 h 37 min
